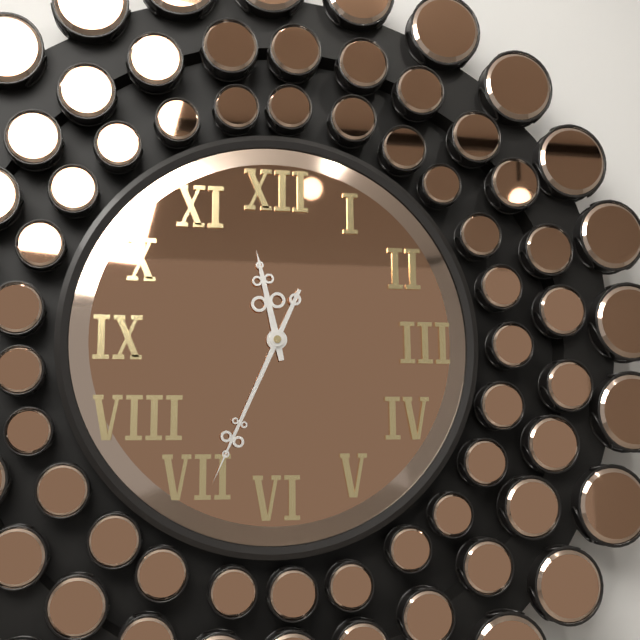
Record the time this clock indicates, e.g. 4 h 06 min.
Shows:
11 h 34 min
